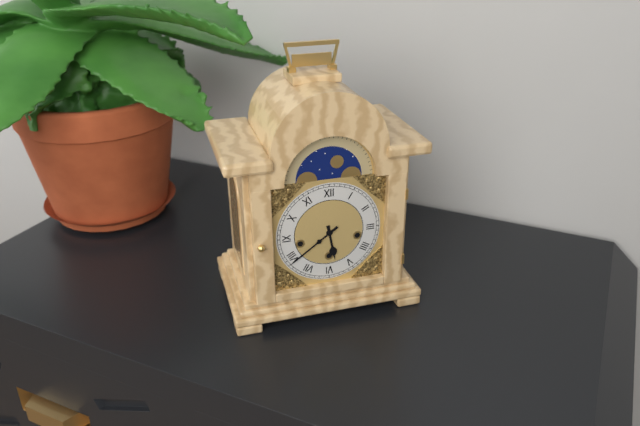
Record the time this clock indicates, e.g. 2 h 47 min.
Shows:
5 h 39 min
